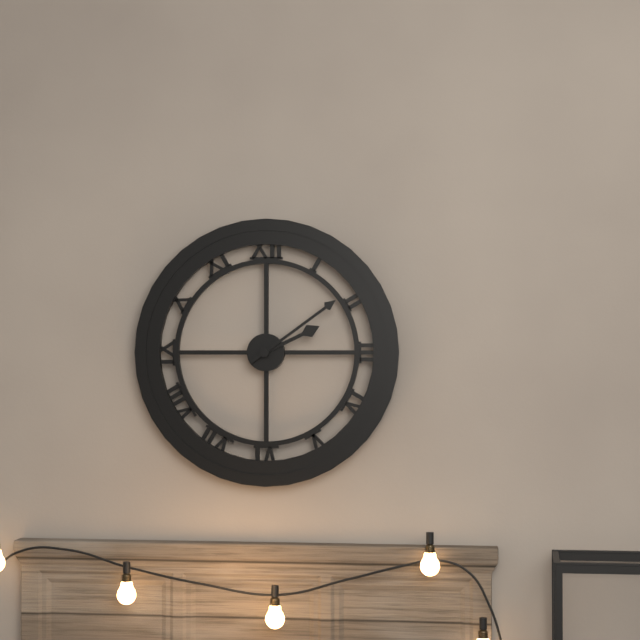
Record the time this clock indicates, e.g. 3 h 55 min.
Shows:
2 h 09 min
